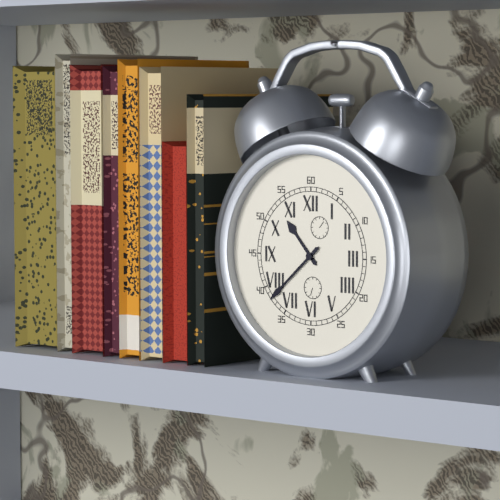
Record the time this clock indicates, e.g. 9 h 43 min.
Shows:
10 h 38 min
